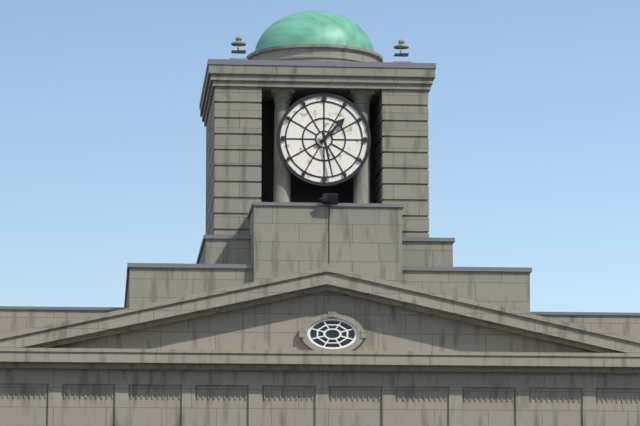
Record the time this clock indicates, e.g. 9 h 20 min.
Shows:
1 h 28 min
